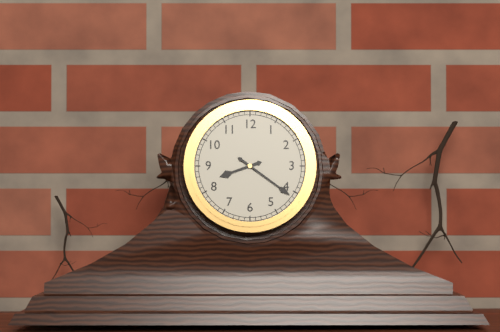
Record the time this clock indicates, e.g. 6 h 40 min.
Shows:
8 h 21 min
